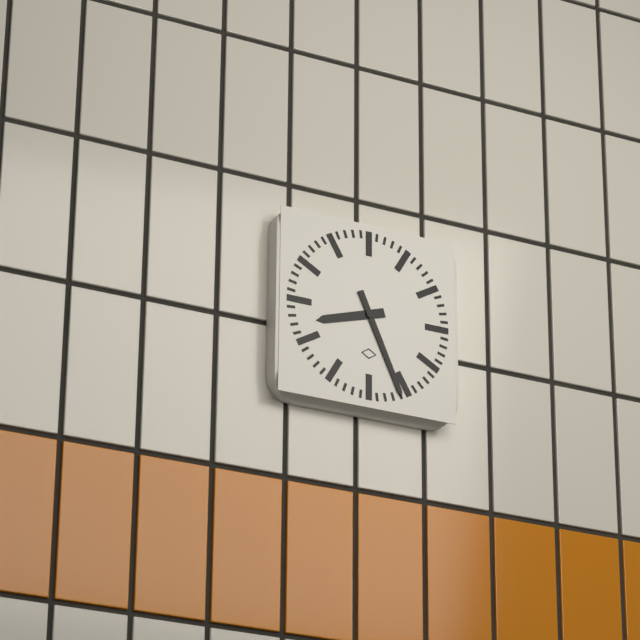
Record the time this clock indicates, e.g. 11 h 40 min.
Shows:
8 h 26 min
